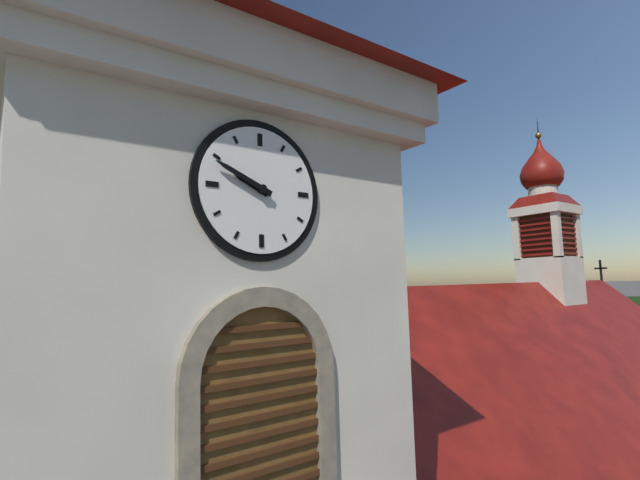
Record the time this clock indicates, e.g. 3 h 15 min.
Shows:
9 h 49 min
